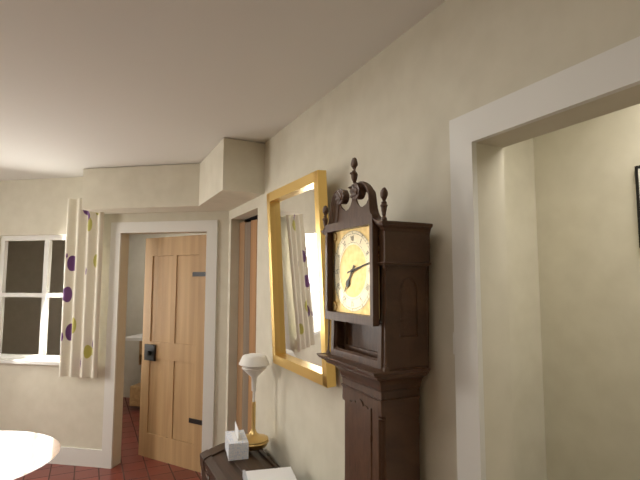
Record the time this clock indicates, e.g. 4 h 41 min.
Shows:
7 h 13 min
